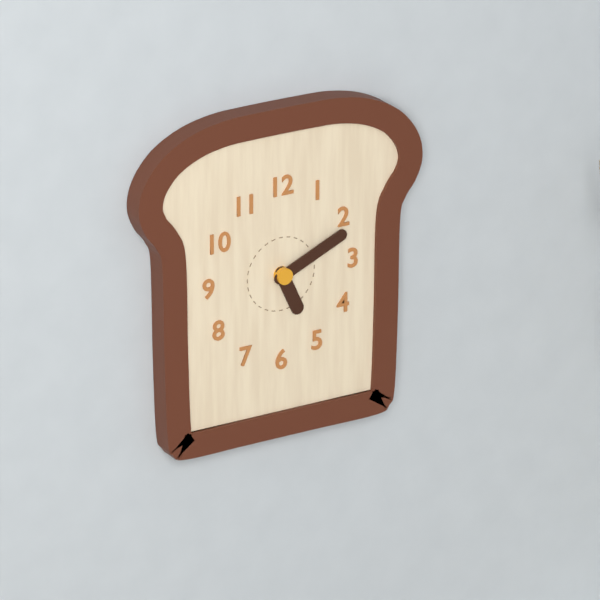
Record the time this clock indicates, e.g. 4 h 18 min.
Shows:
5 h 11 min
